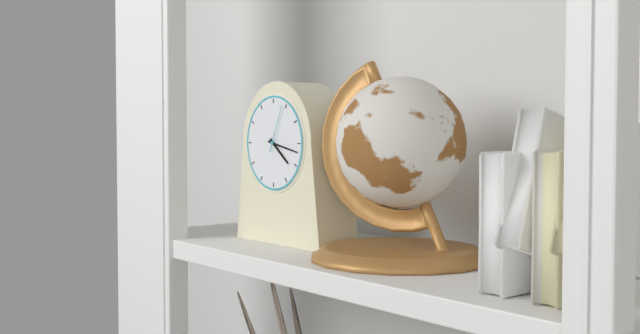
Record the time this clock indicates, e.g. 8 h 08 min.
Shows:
4 h 17 min
